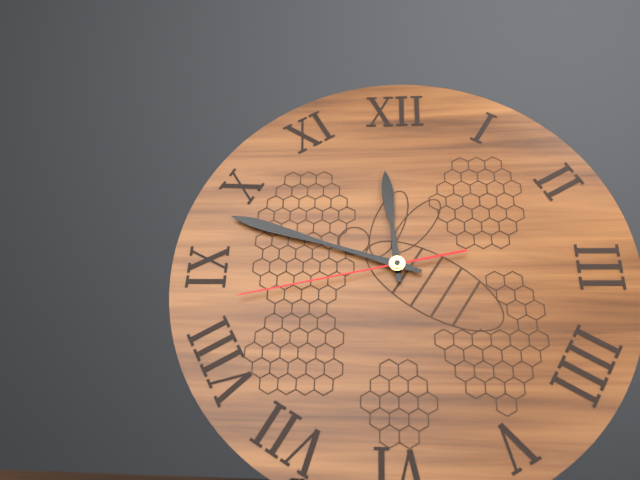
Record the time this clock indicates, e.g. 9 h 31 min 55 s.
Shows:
11 h 48 min 43 s
